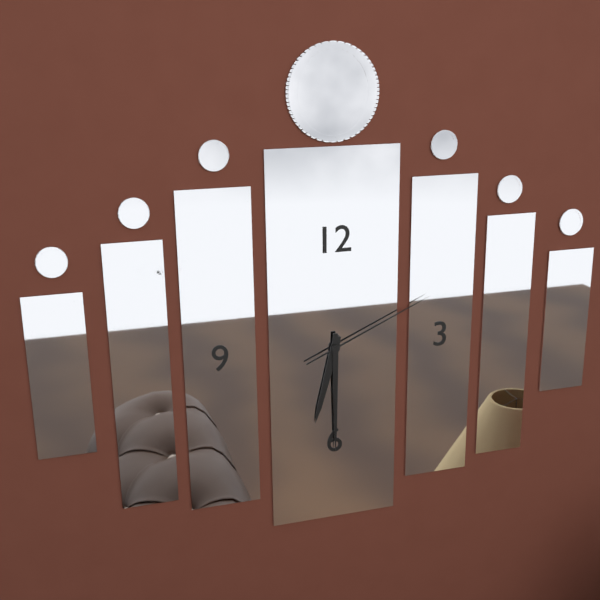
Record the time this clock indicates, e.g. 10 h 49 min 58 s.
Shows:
6 h 30 min 11 s
